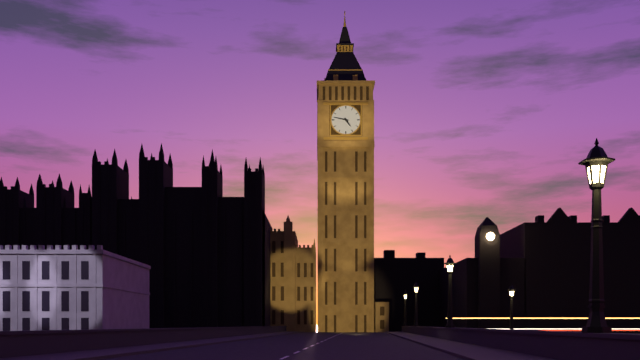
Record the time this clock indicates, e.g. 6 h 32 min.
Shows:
4 h 47 min
